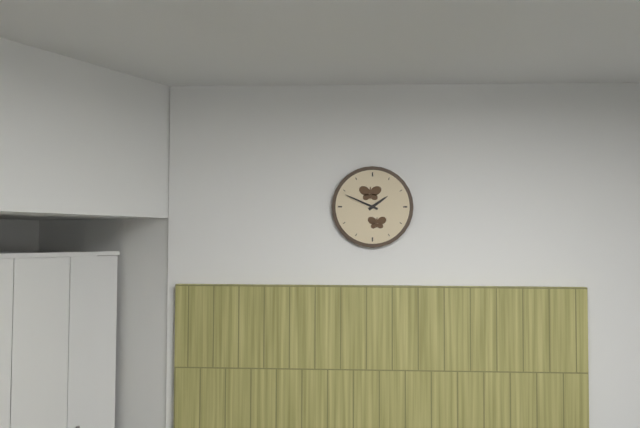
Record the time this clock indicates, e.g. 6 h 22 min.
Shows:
1 h 49 min
